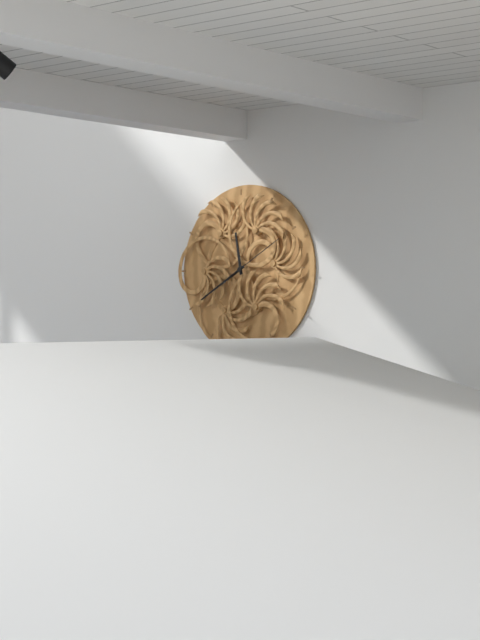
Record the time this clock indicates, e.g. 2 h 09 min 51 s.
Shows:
11 h 40 min 10 s
